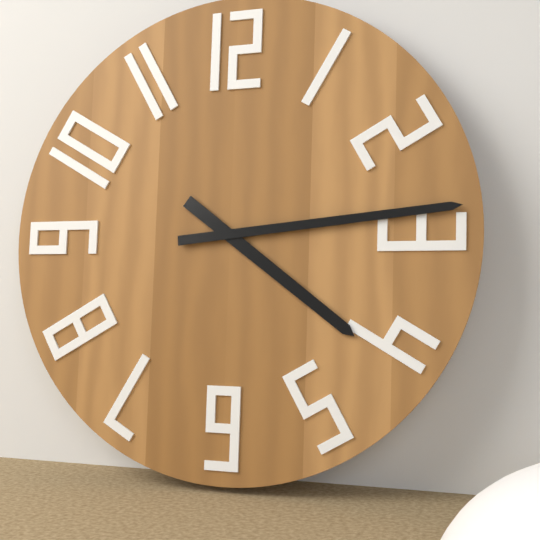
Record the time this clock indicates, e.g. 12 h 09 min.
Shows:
4 h 14 min
